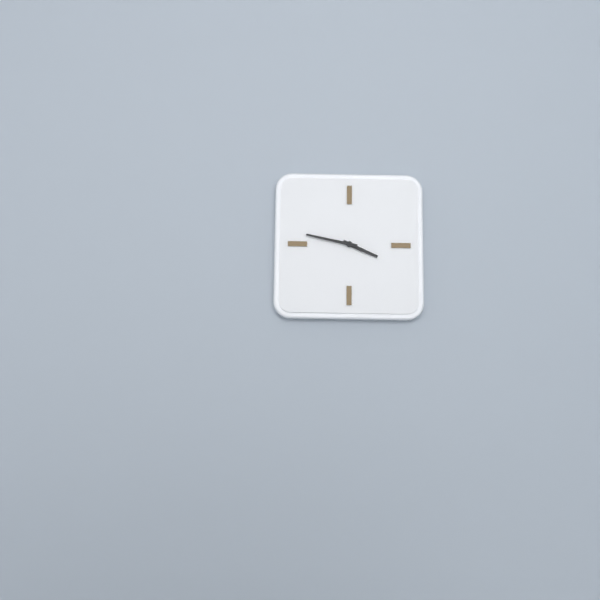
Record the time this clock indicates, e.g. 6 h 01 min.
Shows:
3 h 47 min
